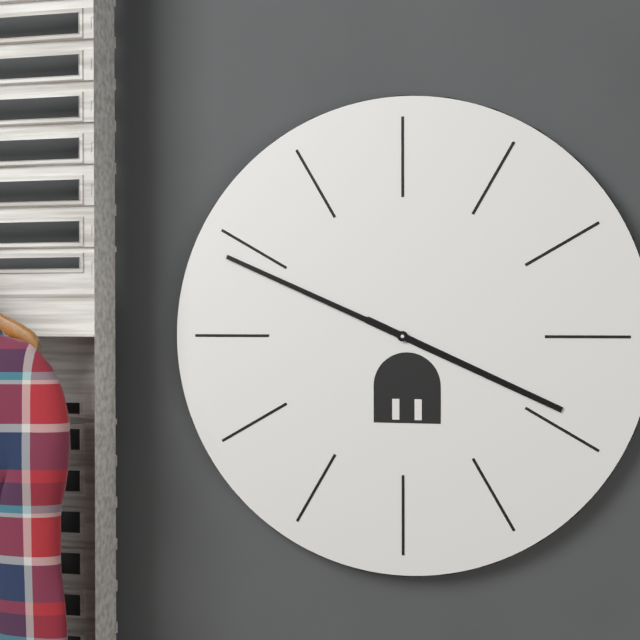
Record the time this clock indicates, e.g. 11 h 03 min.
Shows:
3 h 49 min
